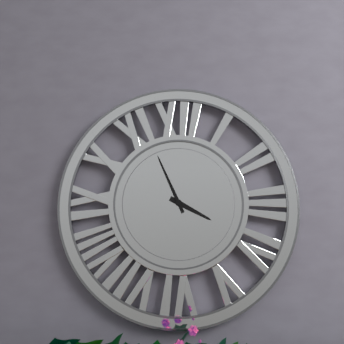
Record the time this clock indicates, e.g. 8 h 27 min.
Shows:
3 h 56 min
